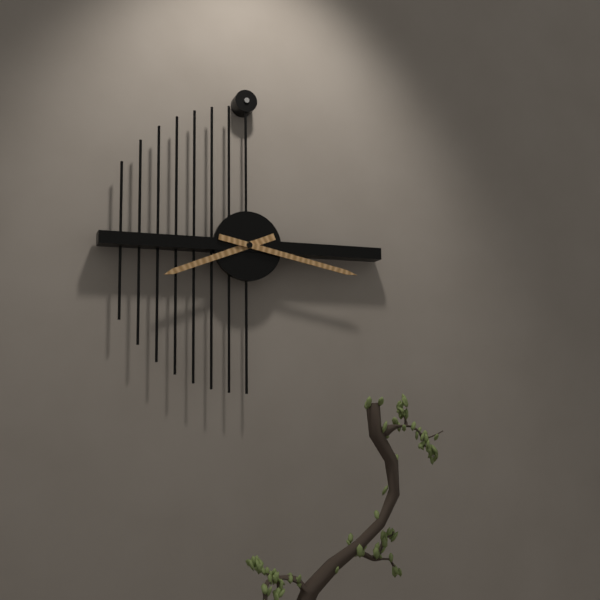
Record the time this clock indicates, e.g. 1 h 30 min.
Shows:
8 h 17 min
